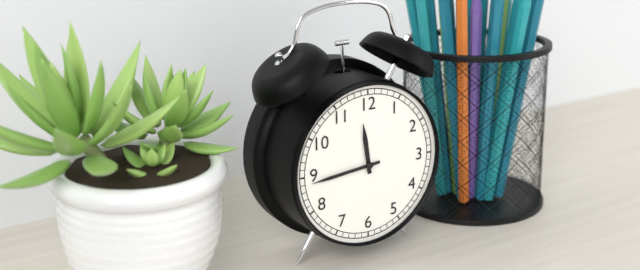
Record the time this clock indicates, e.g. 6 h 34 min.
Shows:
11 h 44 min
